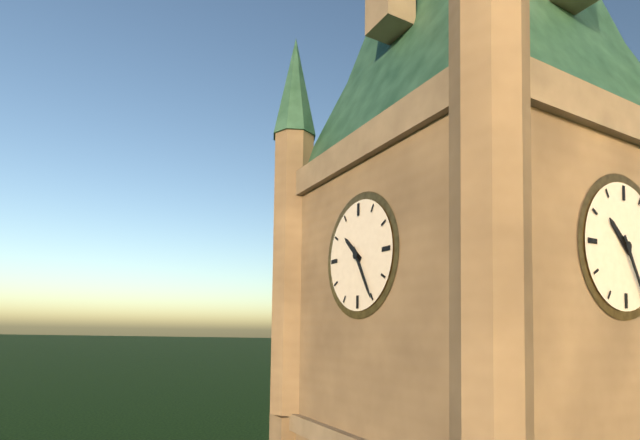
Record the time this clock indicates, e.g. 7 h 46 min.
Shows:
10 h 25 min
